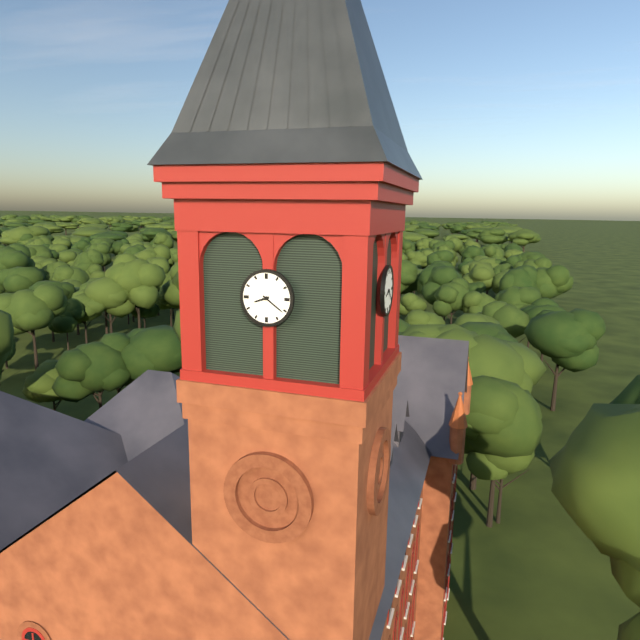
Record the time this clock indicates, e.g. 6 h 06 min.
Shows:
8 h 21 min
